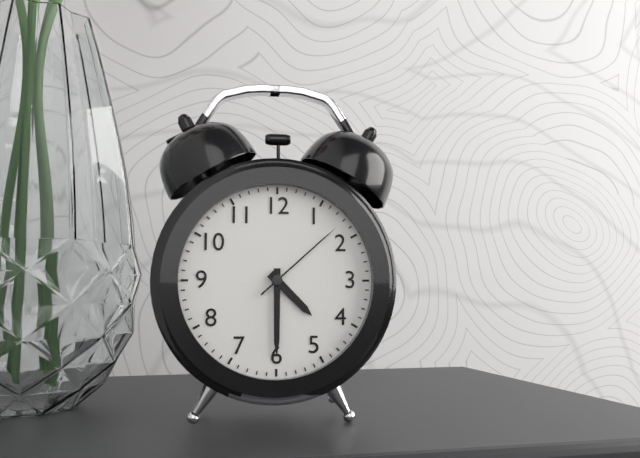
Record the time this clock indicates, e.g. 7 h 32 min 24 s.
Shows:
4 h 30 min 08 s
